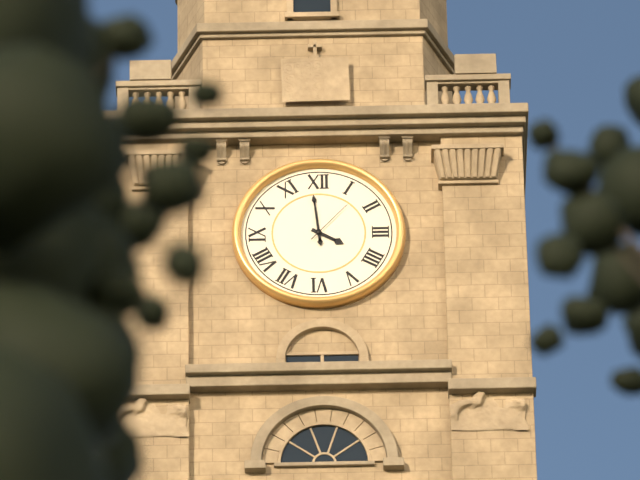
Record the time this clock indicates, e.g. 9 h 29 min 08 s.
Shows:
3 h 59 min 07 s
